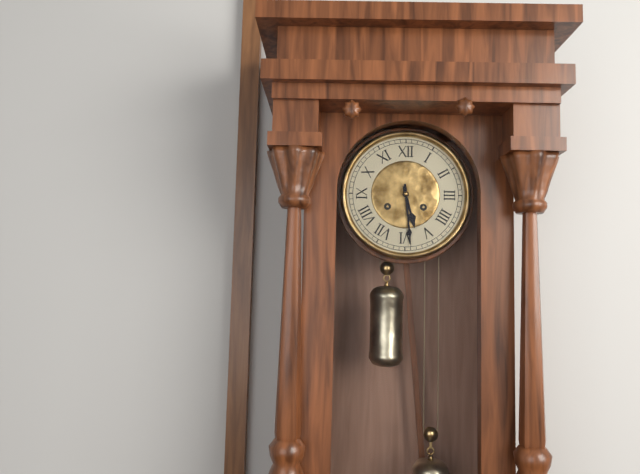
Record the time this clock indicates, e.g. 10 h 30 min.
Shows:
5 h 29 min
